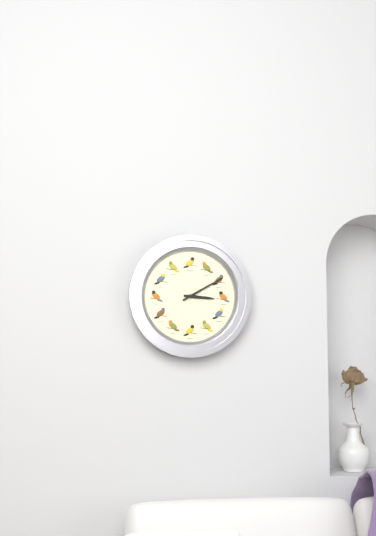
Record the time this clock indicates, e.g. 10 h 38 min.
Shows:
3 h 10 min
